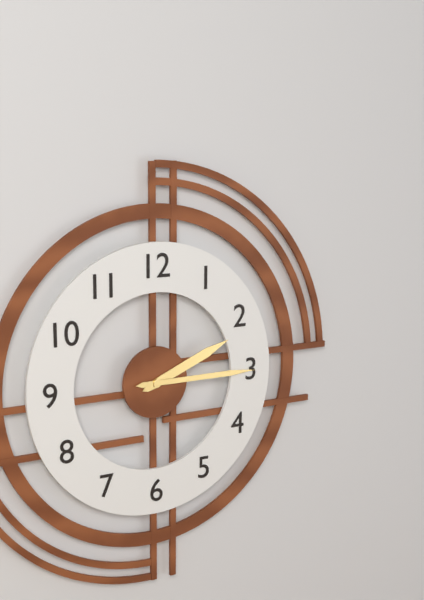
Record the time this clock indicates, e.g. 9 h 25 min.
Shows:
2 h 15 min
